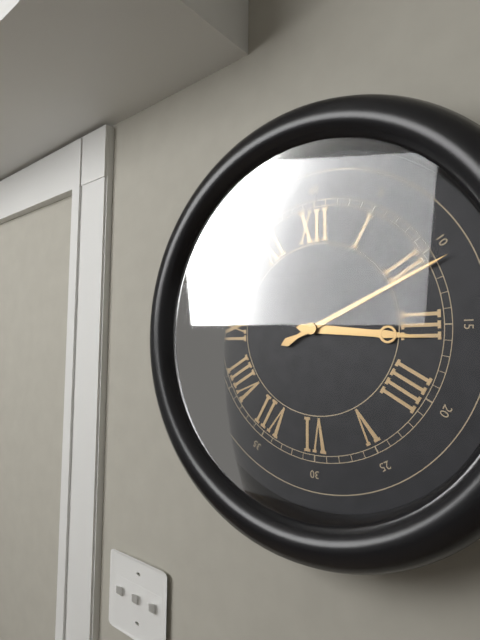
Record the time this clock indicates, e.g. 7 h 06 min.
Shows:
3 h 11 min
